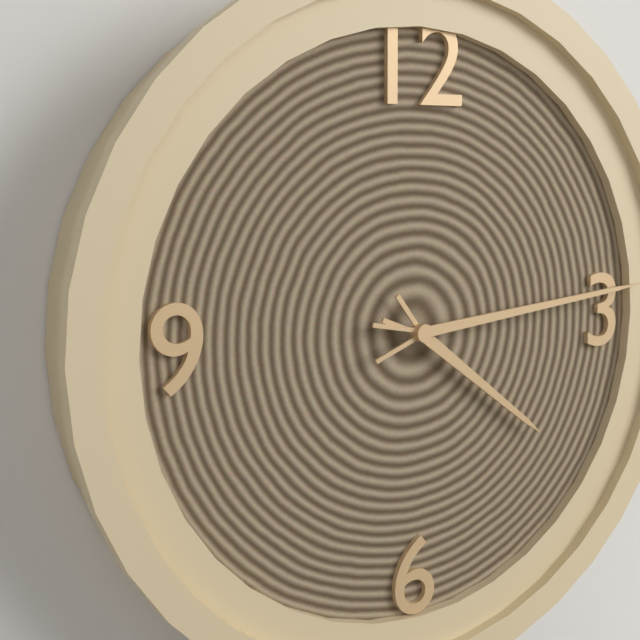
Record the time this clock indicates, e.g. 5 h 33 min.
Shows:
4 h 14 min
